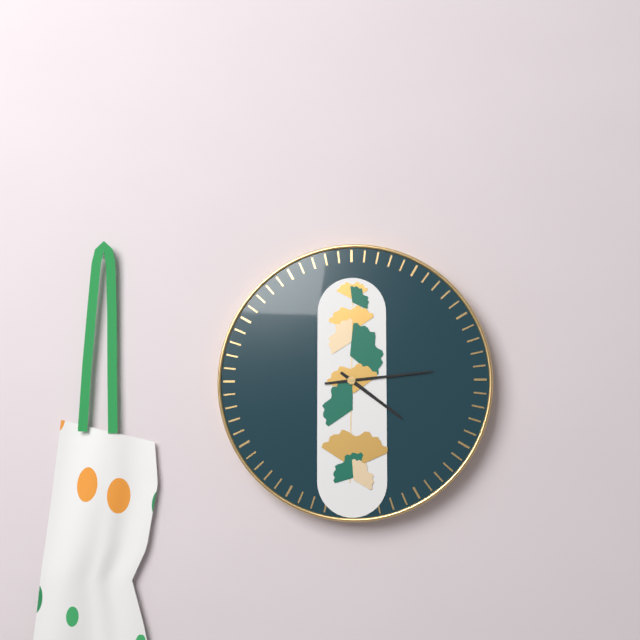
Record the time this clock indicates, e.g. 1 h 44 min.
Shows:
4 h 14 min
